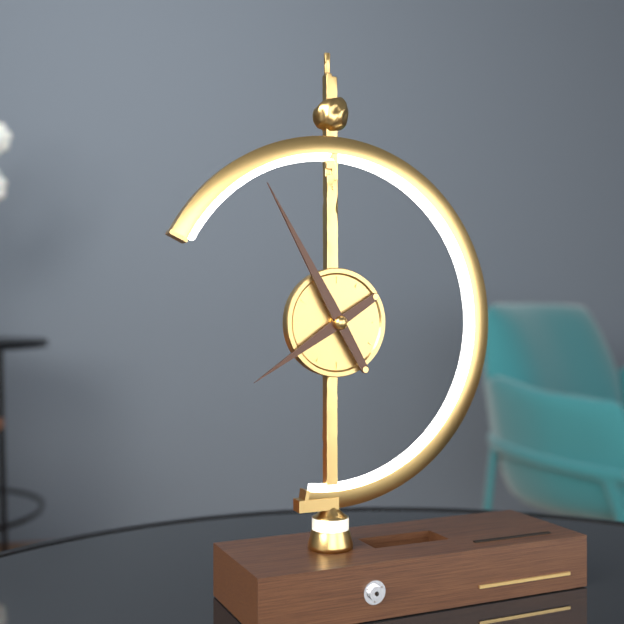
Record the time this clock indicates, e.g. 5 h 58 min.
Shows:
7 h 55 min
